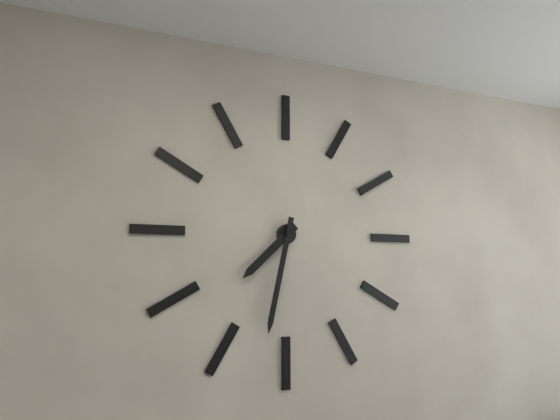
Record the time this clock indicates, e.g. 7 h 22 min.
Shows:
7 h 32 min
